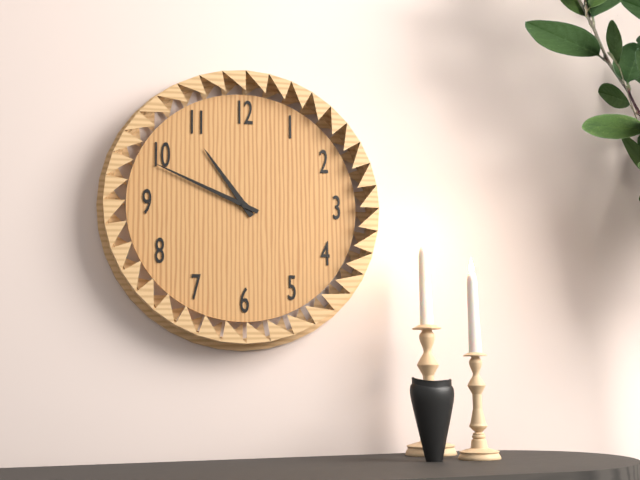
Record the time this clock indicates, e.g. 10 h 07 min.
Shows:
10 h 49 min
